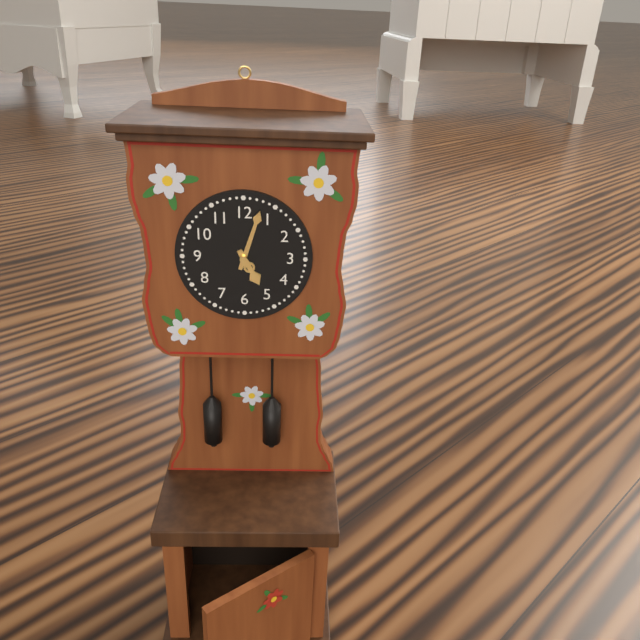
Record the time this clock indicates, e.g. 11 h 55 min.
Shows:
5 h 03 min
